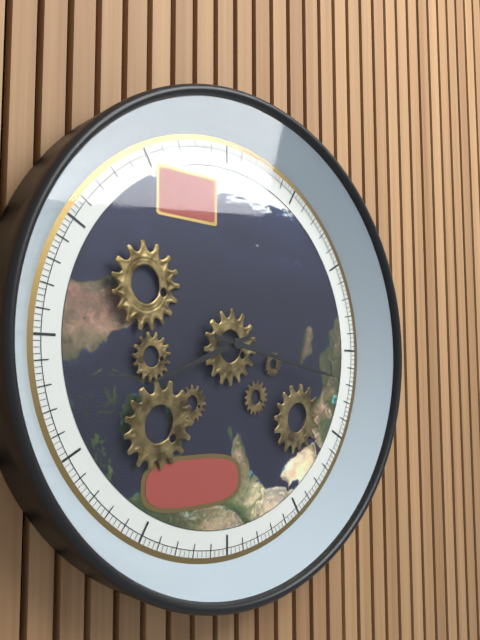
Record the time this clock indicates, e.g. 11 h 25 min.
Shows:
8 h 17 min
